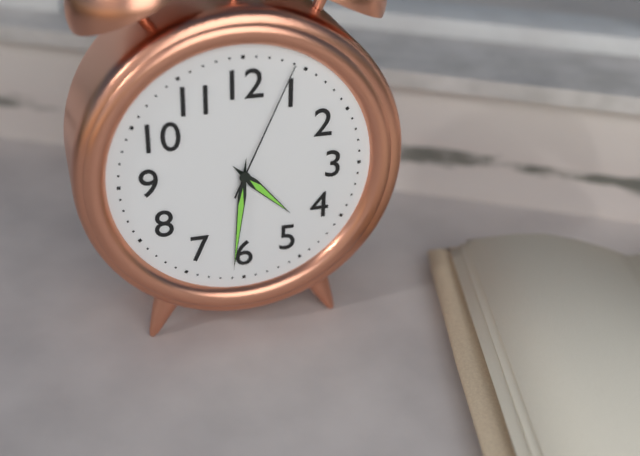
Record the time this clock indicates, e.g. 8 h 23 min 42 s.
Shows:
4 h 31 min 04 s
